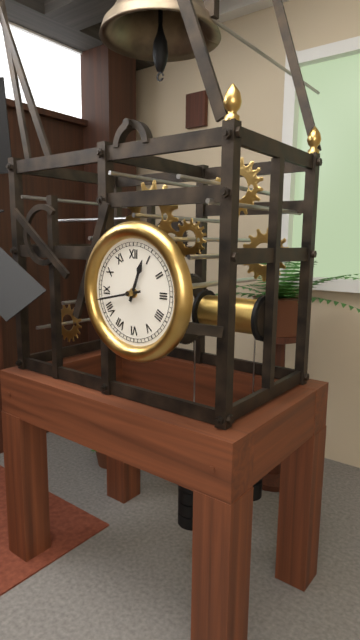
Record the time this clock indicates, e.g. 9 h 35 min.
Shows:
12 h 43 min
